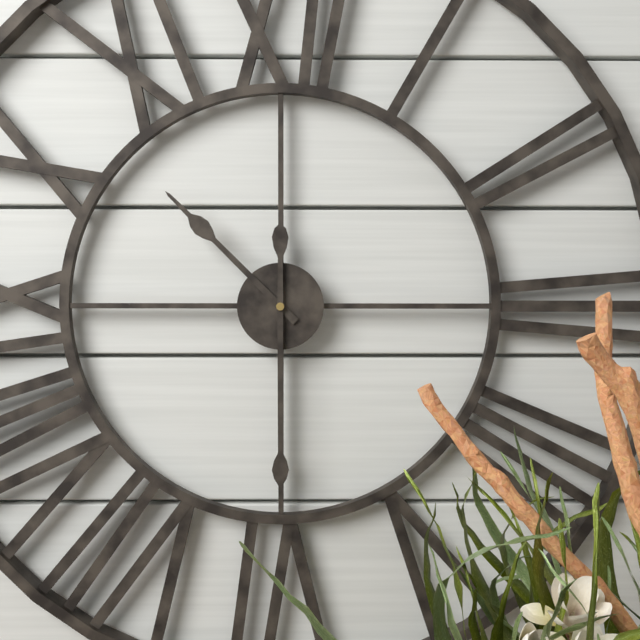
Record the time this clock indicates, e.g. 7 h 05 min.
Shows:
10 h 30 min
